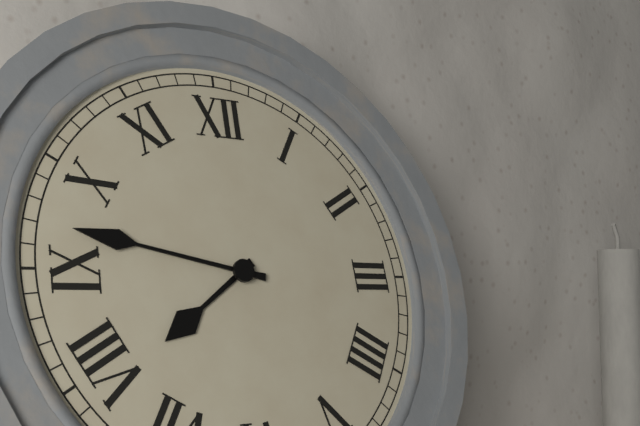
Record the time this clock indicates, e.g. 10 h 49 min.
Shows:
7 h 47 min
